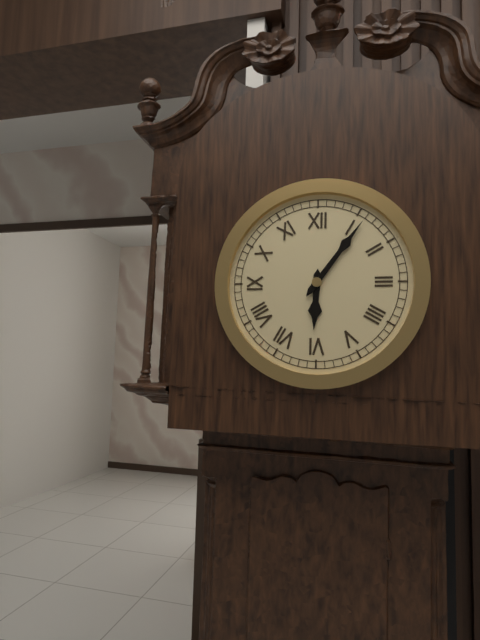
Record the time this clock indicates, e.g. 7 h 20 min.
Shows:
6 h 06 min
